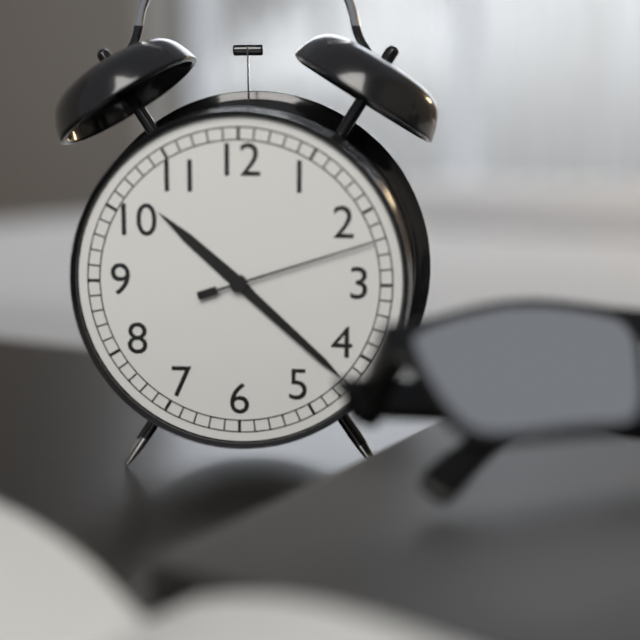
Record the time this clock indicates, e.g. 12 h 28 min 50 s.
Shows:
10 h 22 min 12 s
